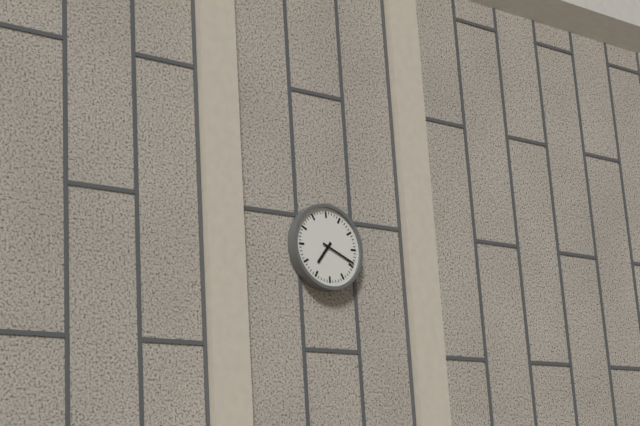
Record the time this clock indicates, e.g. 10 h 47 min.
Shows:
7 h 19 min
